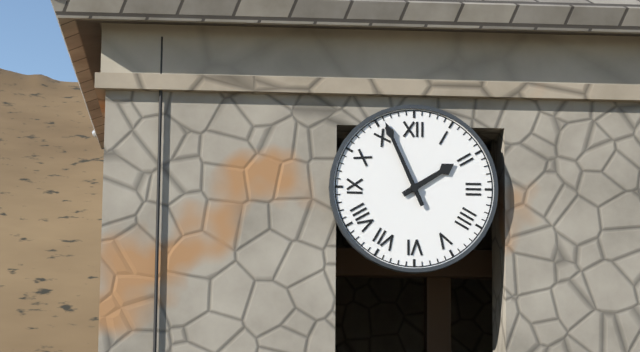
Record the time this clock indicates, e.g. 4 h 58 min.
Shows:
1 h 56 min
